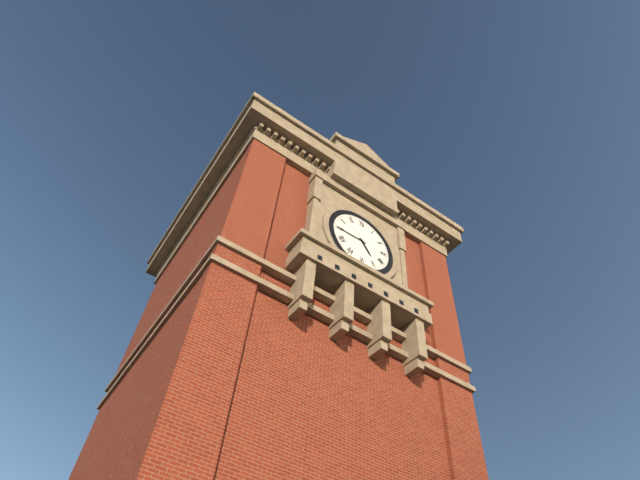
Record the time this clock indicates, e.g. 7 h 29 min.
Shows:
4 h 45 min
